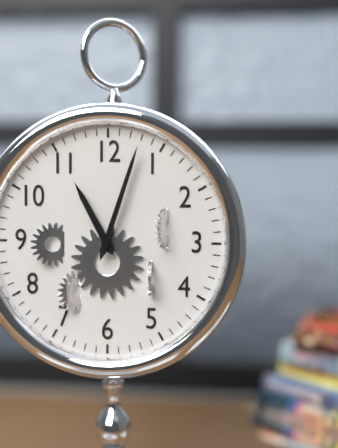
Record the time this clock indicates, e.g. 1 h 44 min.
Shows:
11 h 03 min
